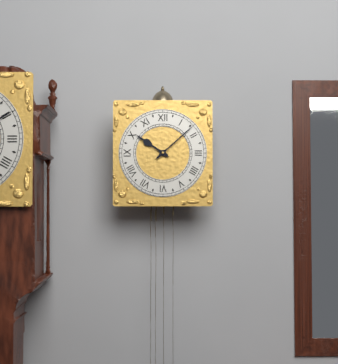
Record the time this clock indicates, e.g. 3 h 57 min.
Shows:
10 h 08 min
